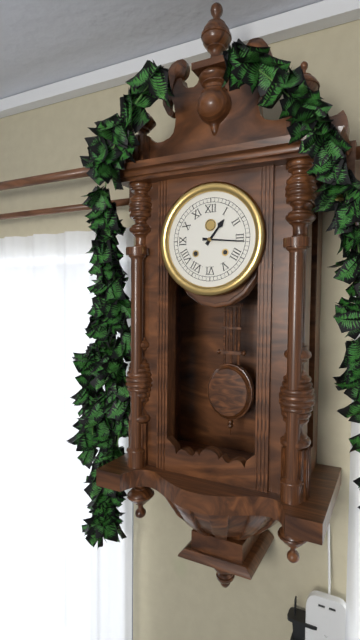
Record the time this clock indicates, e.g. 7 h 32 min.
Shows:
1 h 16 min
